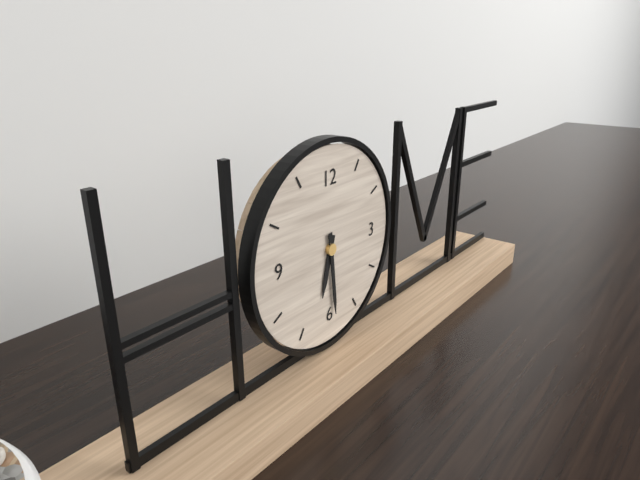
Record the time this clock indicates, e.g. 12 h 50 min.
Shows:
6 h 29 min
